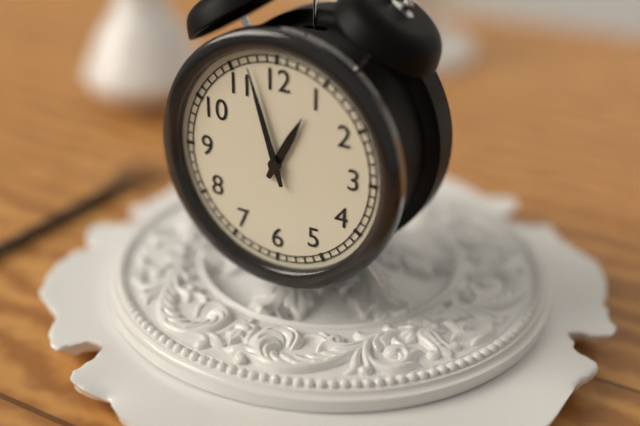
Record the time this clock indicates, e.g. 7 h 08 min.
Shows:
12 h 57 min
